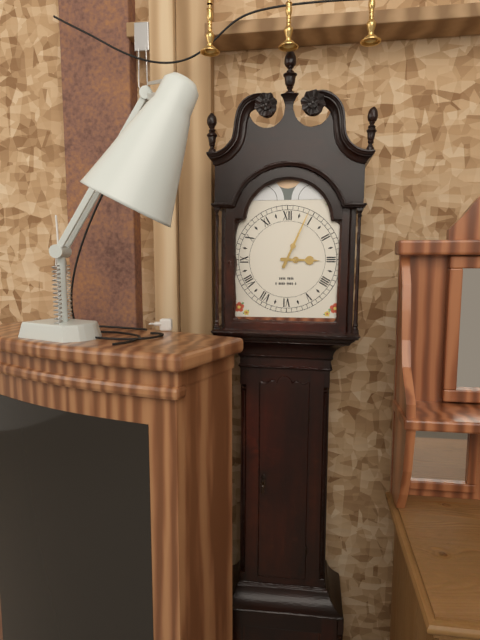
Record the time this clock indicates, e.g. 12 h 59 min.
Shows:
3 h 04 min
